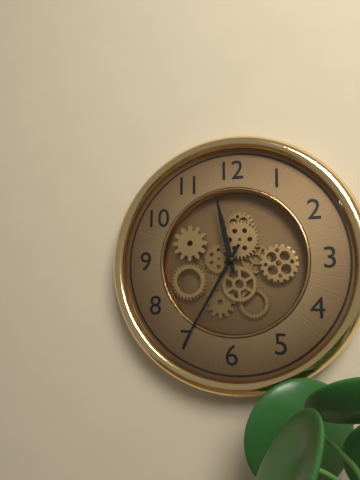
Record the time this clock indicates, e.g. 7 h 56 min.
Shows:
11 h 35 min
